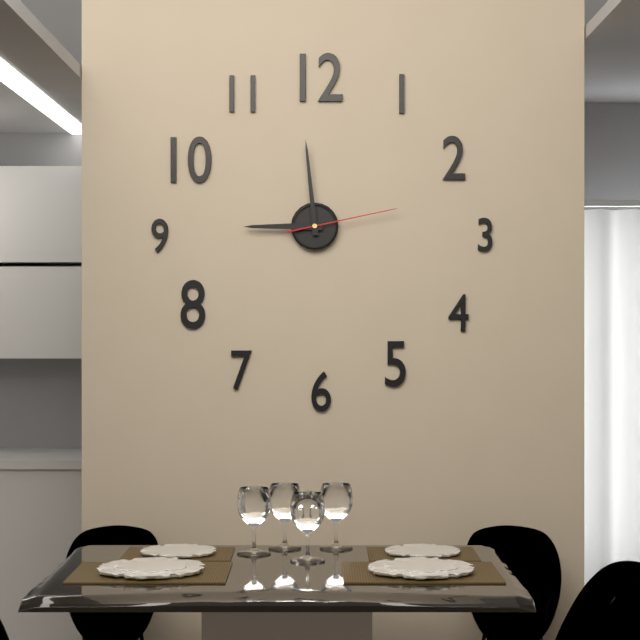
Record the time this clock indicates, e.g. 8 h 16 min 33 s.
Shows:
8 h 59 min 13 s
